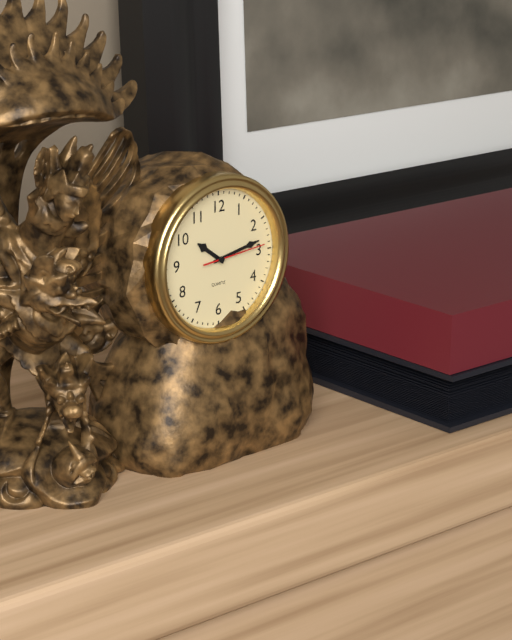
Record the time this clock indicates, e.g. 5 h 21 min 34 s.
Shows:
10 h 13 min 14 s
